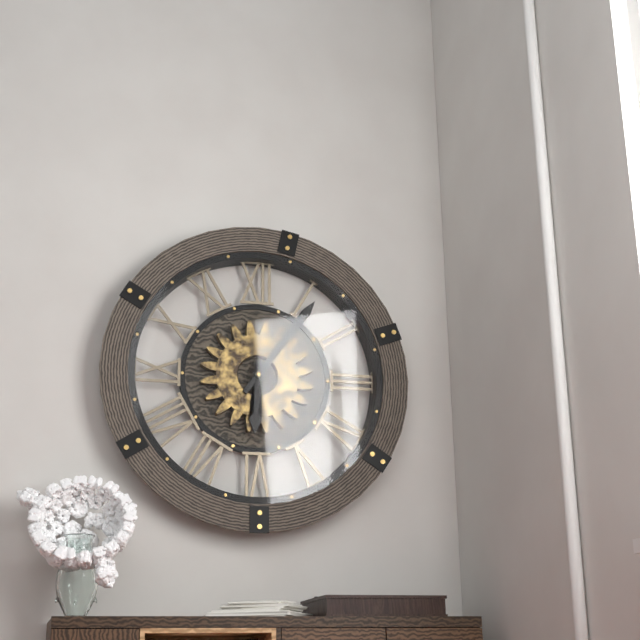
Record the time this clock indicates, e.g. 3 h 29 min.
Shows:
6 h 06 min
